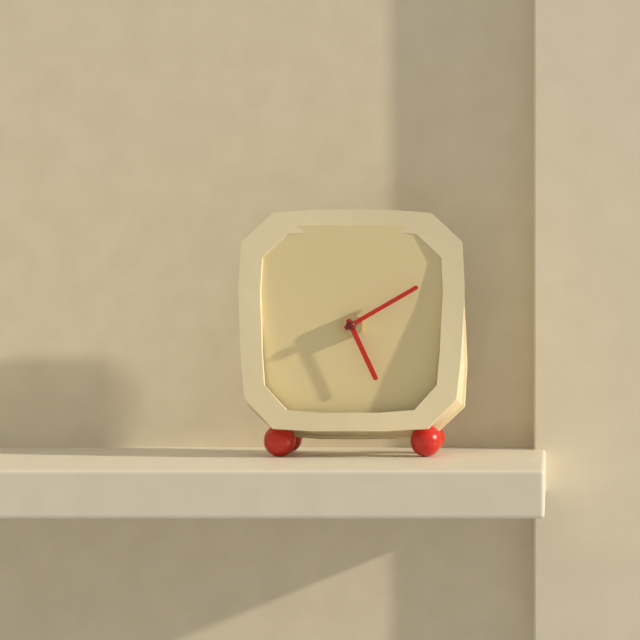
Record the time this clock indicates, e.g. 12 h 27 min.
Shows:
5 h 10 min
